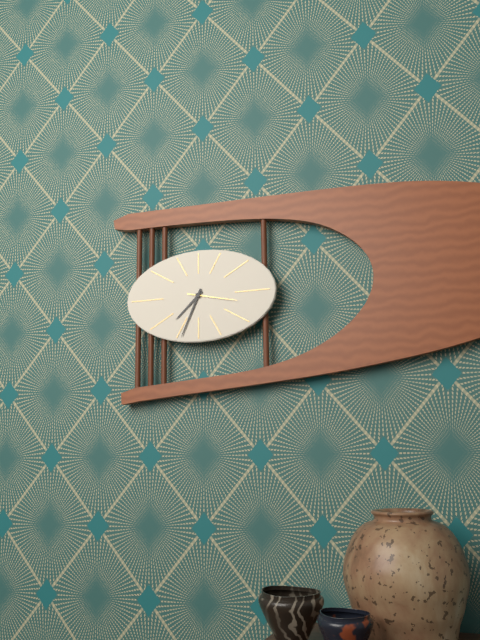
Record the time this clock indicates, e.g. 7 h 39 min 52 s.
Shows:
7 h 34 min 17 s
